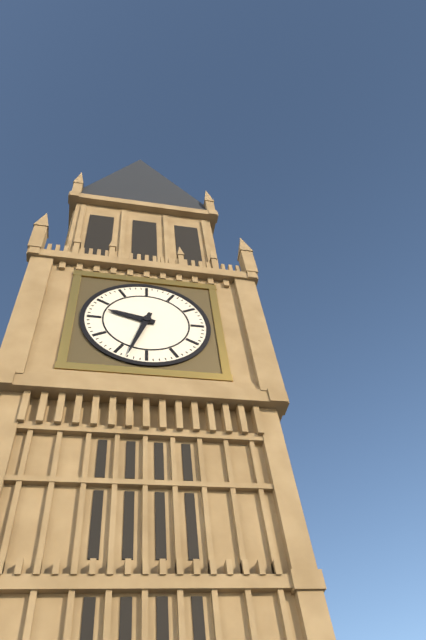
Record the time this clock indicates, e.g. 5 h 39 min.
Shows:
9 h 33 min
